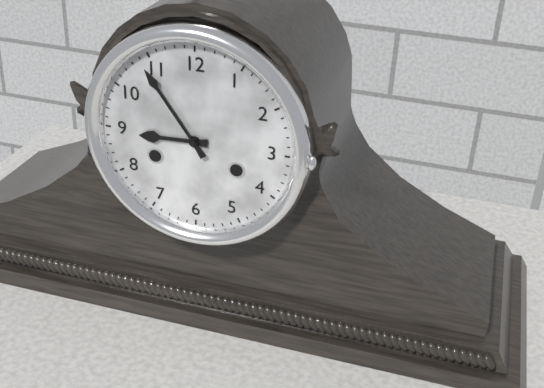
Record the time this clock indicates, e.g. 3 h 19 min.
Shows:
8 h 54 min
